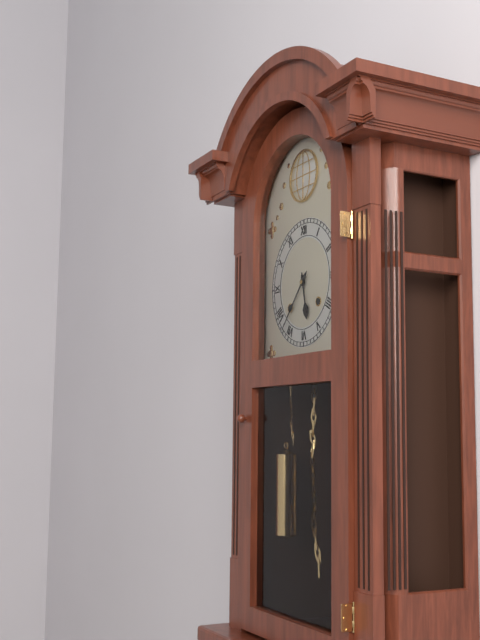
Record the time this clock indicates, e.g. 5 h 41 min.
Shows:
5 h 37 min
